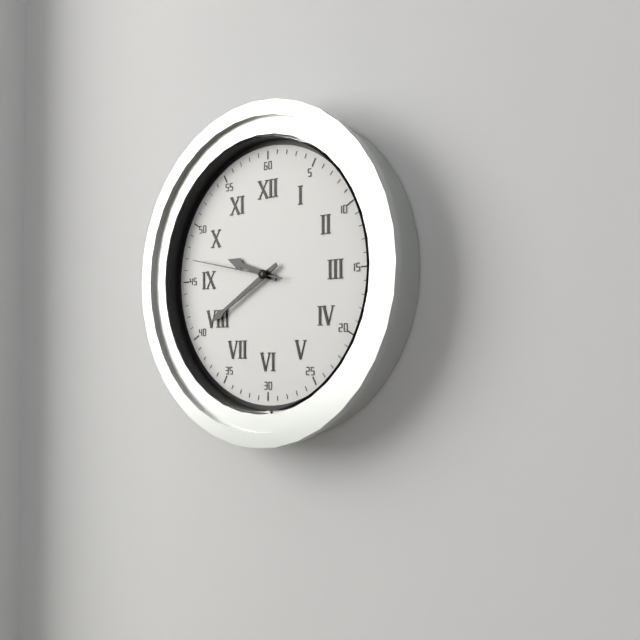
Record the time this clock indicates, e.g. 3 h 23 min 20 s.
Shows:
9 h 40 min 47 s
